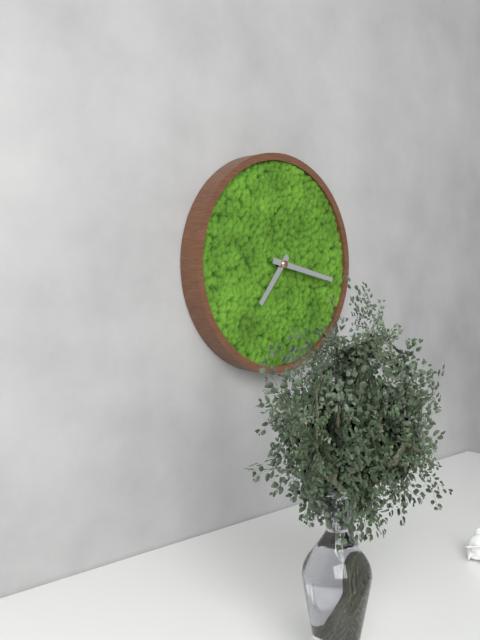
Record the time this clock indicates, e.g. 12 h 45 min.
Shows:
7 h 17 min
